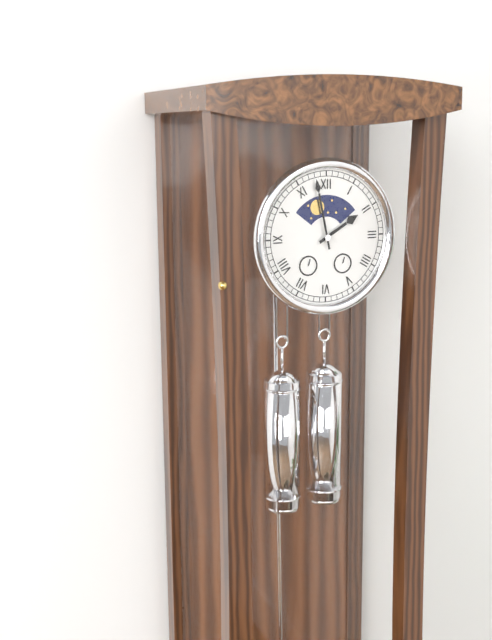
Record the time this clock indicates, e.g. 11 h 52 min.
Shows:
1 h 58 min
